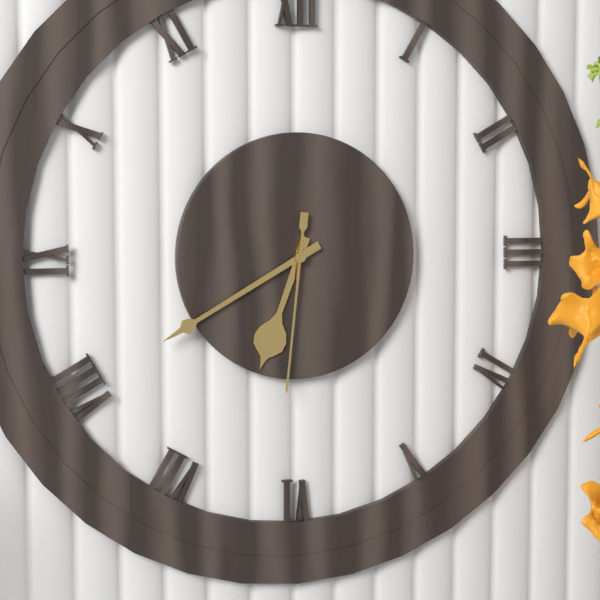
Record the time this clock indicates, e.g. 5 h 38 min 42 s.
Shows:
6 h 40 min 31 s
